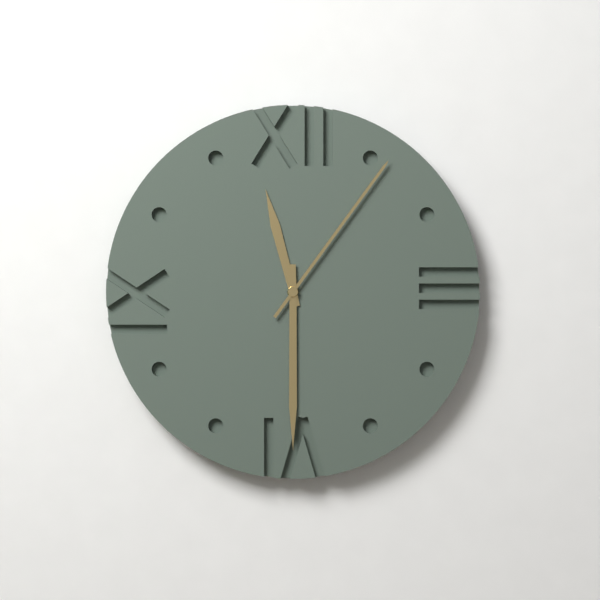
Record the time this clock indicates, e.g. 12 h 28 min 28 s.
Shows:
11 h 30 min 06 s
